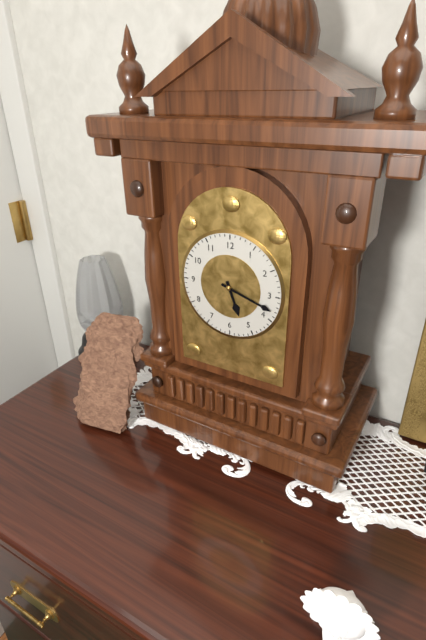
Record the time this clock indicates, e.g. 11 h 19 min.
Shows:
5 h 18 min
